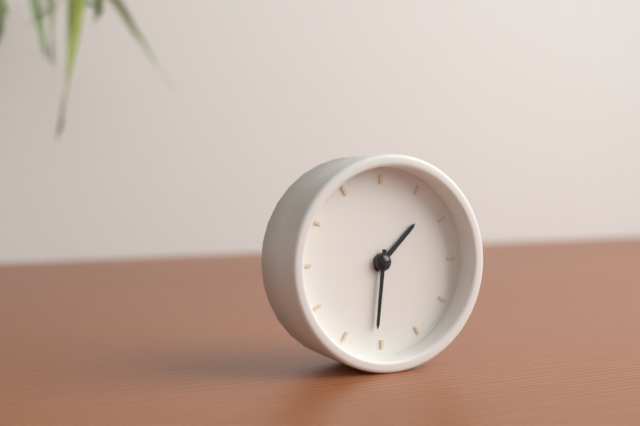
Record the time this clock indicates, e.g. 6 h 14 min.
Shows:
1 h 31 min
